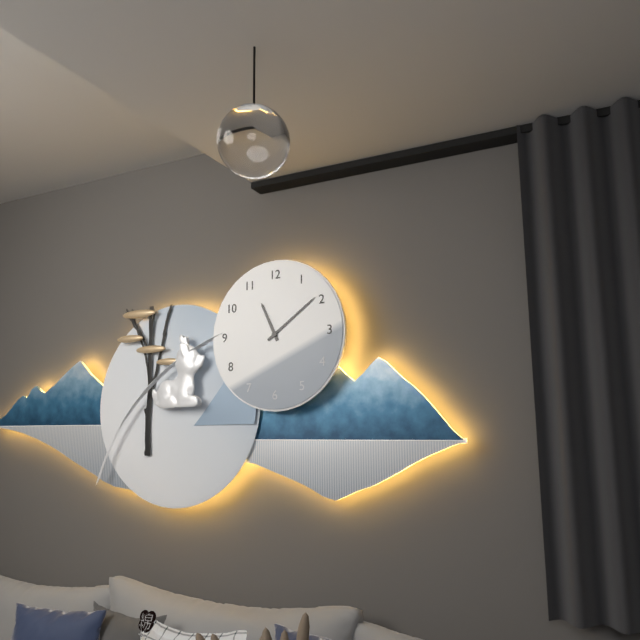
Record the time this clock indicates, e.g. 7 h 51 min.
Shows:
11 h 09 min
